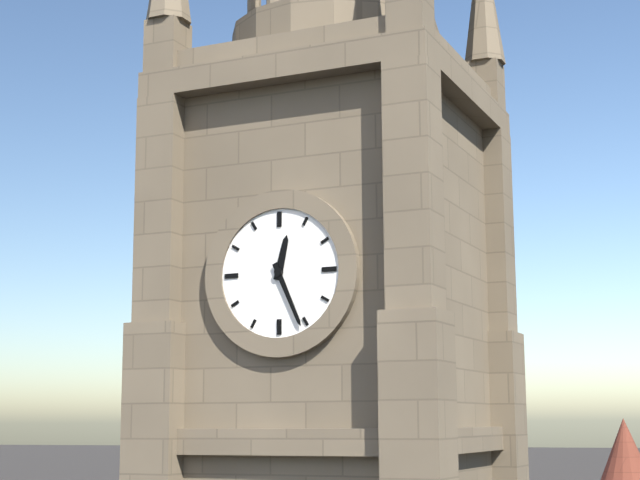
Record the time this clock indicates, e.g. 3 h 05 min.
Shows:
12 h 26 min
